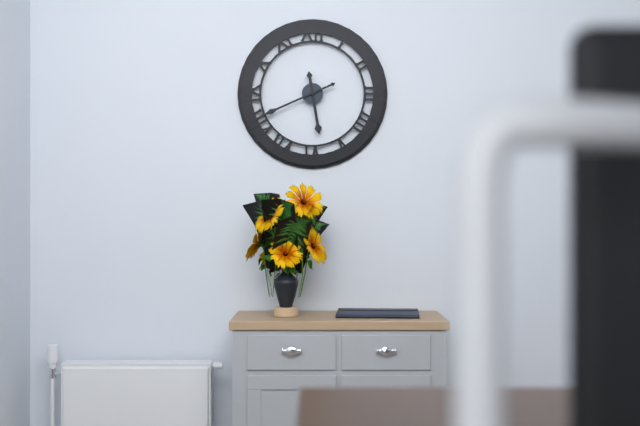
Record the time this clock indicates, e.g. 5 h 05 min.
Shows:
5 h 41 min
